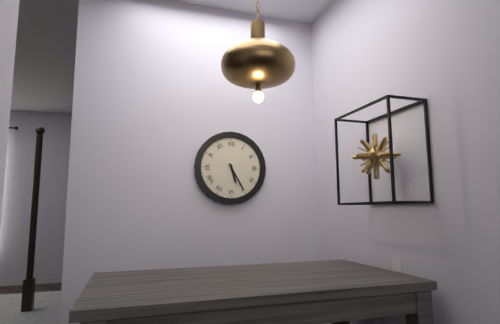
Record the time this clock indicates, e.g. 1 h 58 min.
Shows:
5 h 25 min
